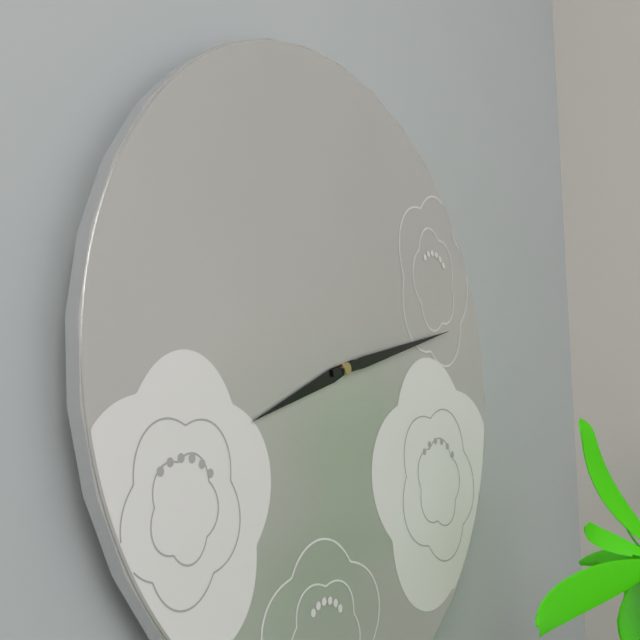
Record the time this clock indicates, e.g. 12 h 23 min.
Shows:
8 h 12 min
